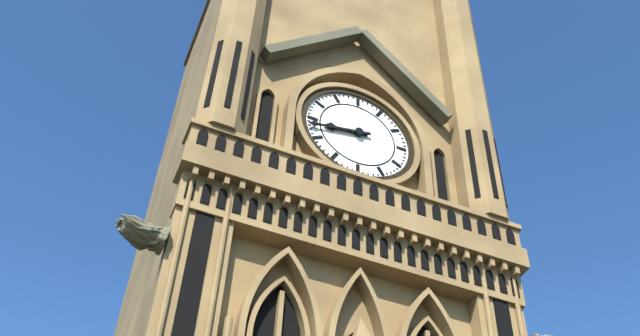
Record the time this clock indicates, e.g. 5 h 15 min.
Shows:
8 h 43 min
